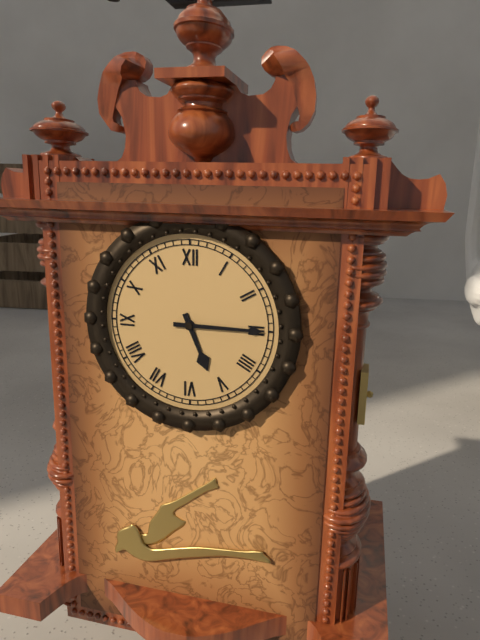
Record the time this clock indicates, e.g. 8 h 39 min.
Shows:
5 h 15 min
